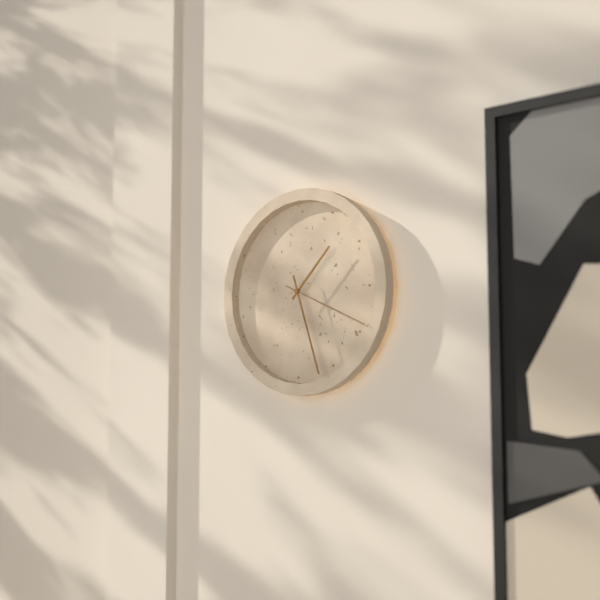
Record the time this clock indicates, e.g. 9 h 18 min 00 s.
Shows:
1 h 27 min 19 s
